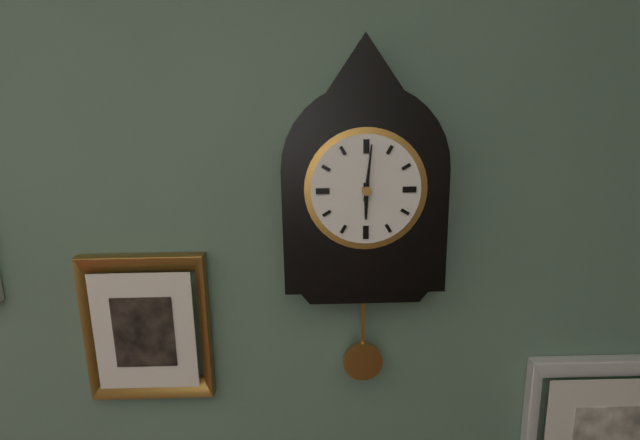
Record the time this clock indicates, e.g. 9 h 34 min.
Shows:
6 h 01 min
